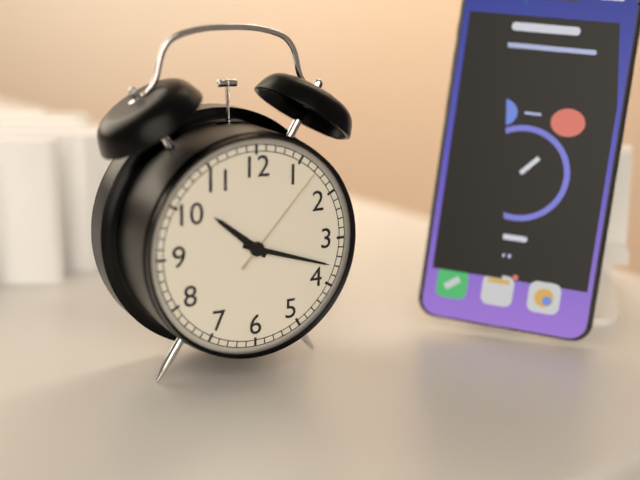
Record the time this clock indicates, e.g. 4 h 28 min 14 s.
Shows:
10 h 18 min 07 s
